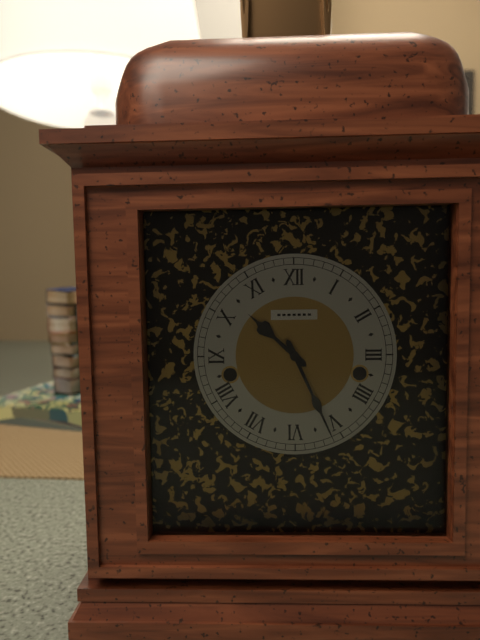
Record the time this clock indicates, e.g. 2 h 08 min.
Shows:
10 h 26 min
